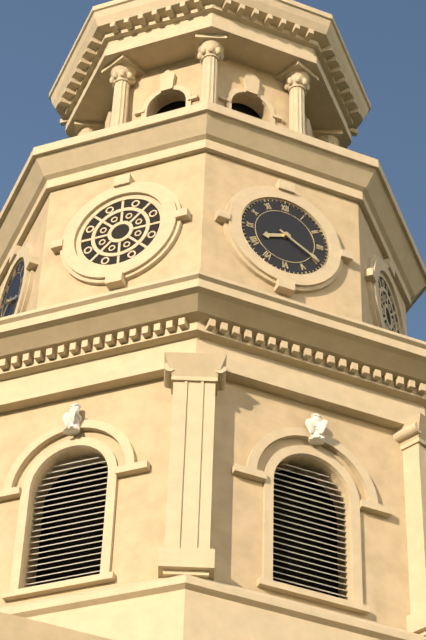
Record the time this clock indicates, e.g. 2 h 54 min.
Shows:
8 h 20 min
